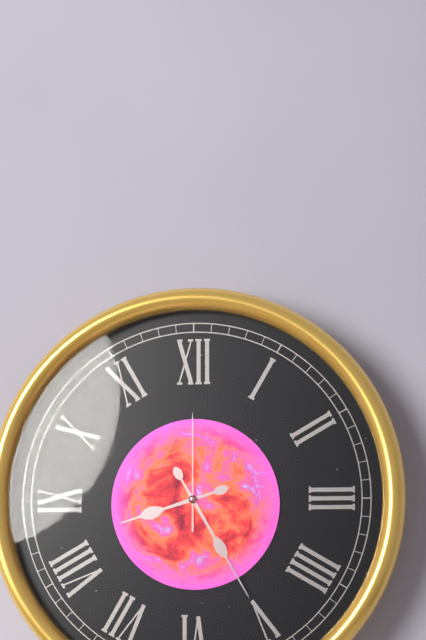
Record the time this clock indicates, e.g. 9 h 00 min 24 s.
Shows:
8 h 25 min 00 s
